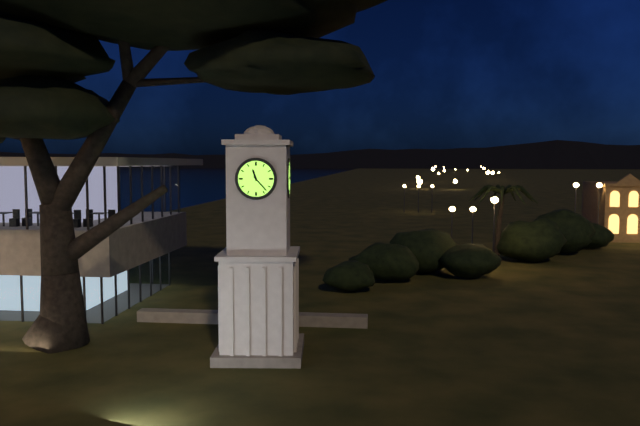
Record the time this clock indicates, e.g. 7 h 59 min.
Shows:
11 h 23 min
